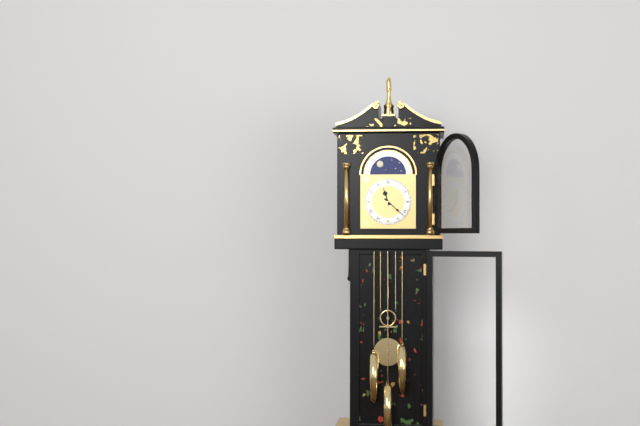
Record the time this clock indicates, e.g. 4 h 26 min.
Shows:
11 h 22 min
